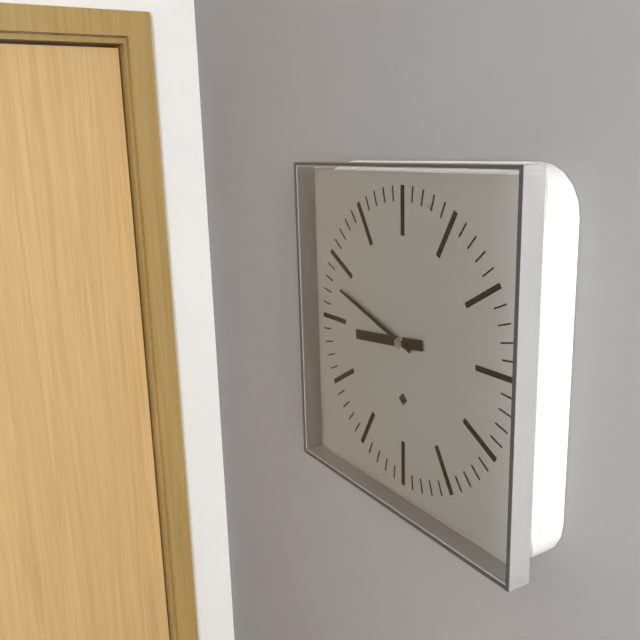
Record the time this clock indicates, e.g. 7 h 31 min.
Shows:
8 h 48 min
